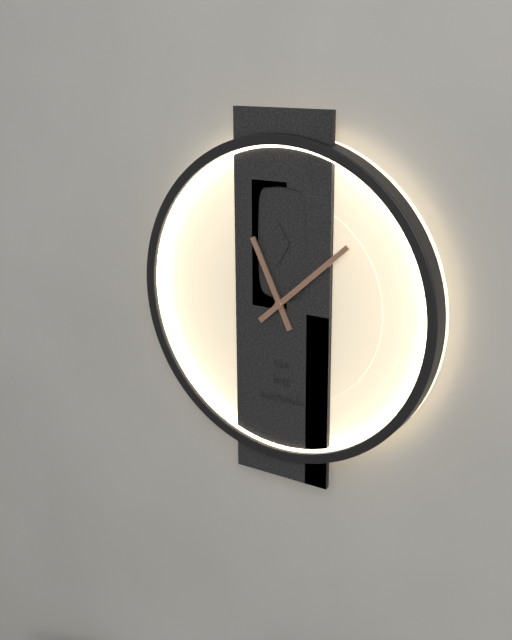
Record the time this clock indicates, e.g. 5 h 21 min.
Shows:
11 h 08 min
